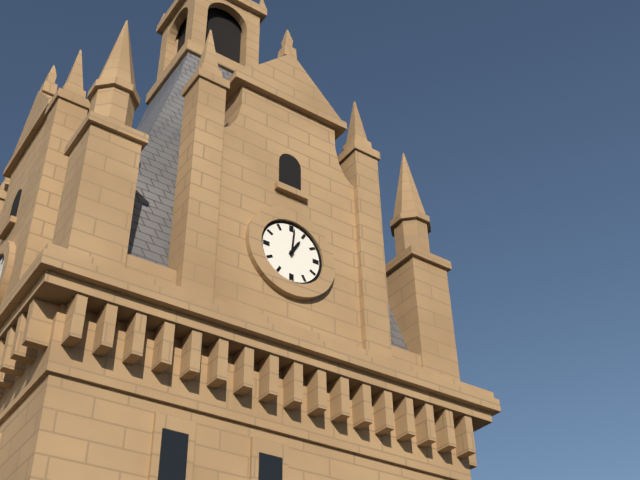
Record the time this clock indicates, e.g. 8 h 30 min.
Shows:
1 h 01 min
